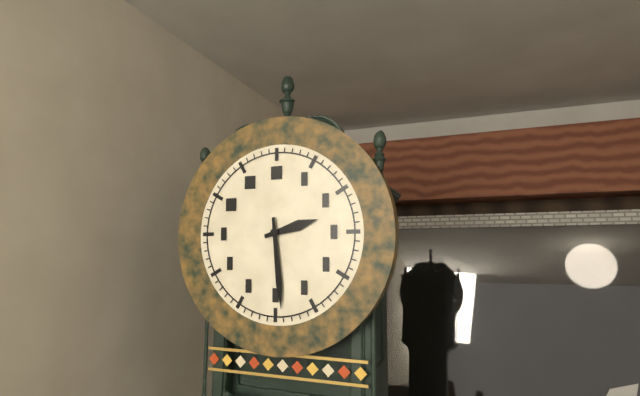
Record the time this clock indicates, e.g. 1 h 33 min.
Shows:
2 h 29 min
